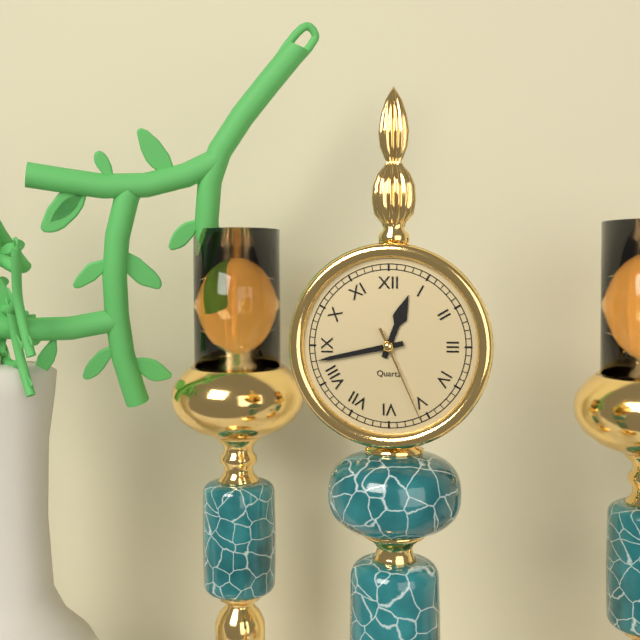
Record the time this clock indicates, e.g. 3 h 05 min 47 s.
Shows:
12 h 43 min 26 s
